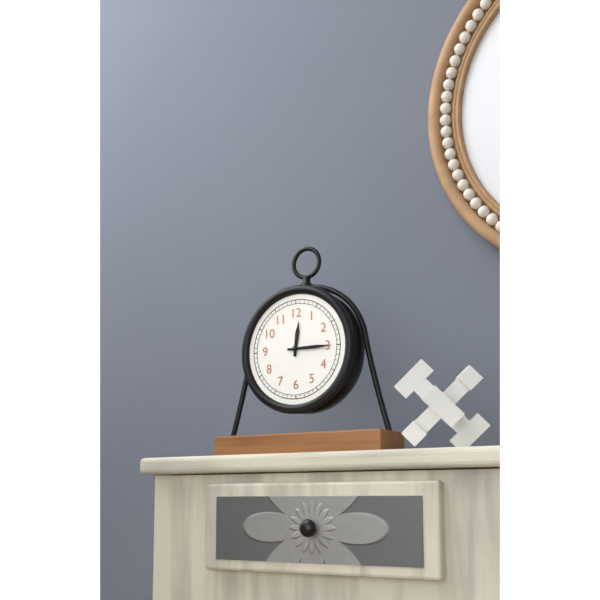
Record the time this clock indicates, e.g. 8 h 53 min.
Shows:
12 h 15 min
